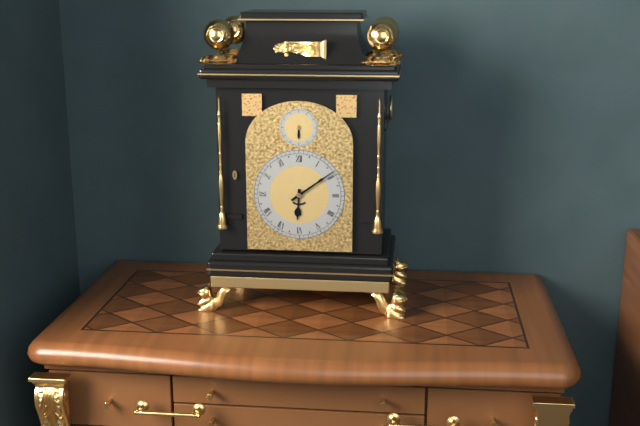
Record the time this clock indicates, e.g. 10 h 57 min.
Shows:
6 h 09 min
